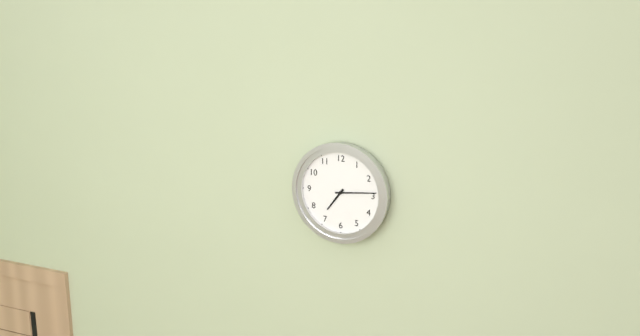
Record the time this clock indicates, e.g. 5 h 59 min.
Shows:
7 h 14 min
